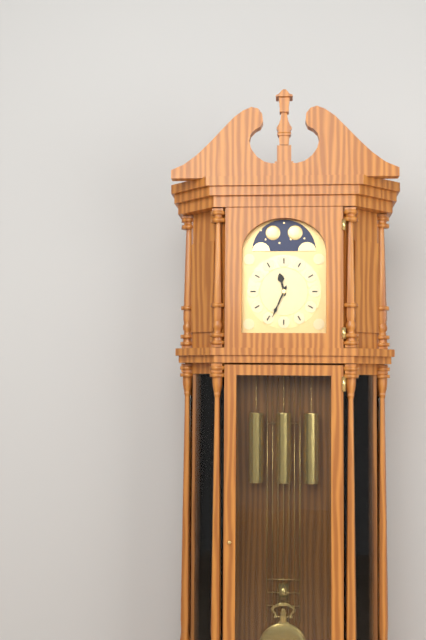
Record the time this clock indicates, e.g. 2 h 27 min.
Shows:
11 h 34 min
